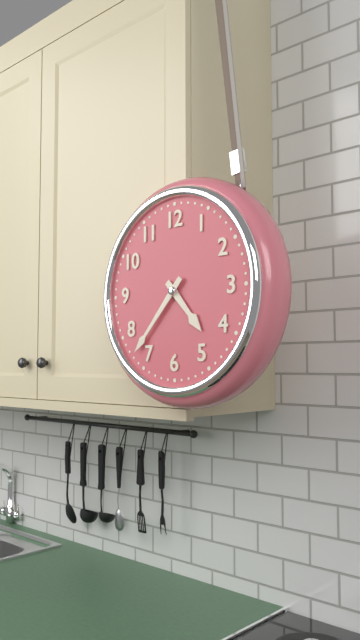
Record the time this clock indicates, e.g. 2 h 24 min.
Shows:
4 h 37 min
